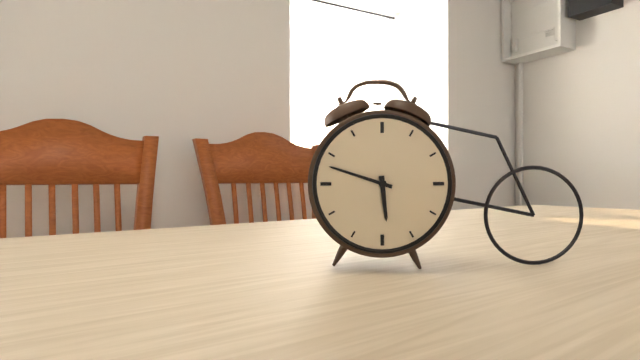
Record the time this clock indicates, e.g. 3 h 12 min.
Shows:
5 h 48 min
